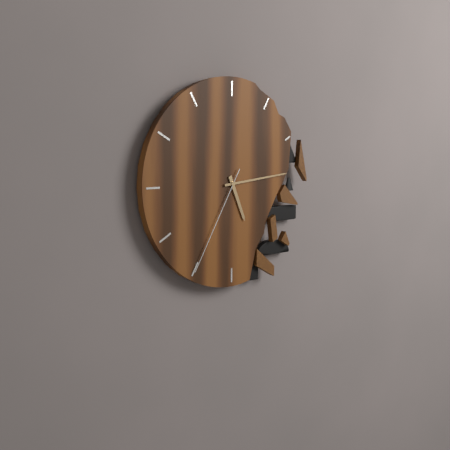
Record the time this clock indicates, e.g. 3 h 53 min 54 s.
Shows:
5 h 14 min 35 s
